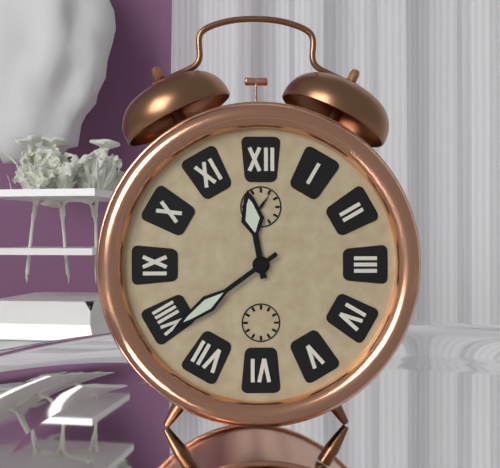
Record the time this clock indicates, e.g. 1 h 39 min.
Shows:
11 h 39 min
